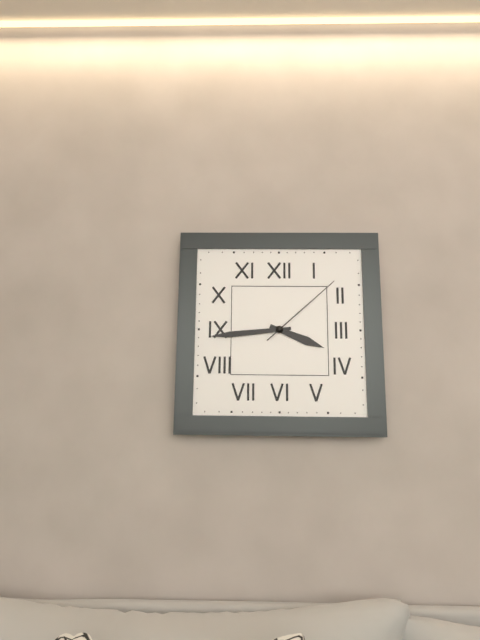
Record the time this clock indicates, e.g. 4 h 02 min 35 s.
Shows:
3 h 44 min 08 s
